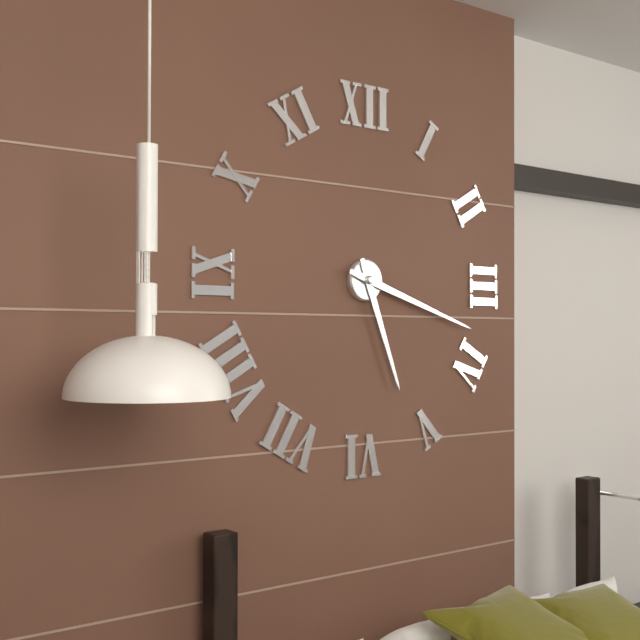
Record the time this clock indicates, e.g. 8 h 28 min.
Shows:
5 h 18 min
